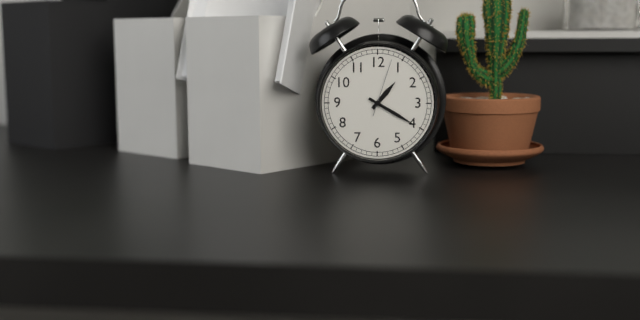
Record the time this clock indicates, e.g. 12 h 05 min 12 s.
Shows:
1 h 20 min 03 s
